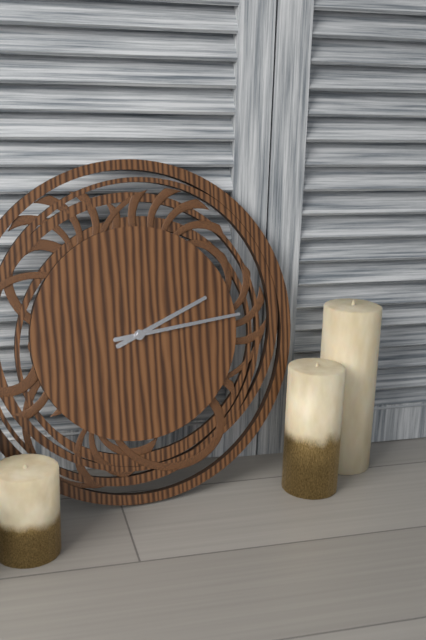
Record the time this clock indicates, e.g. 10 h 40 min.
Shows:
2 h 14 min
